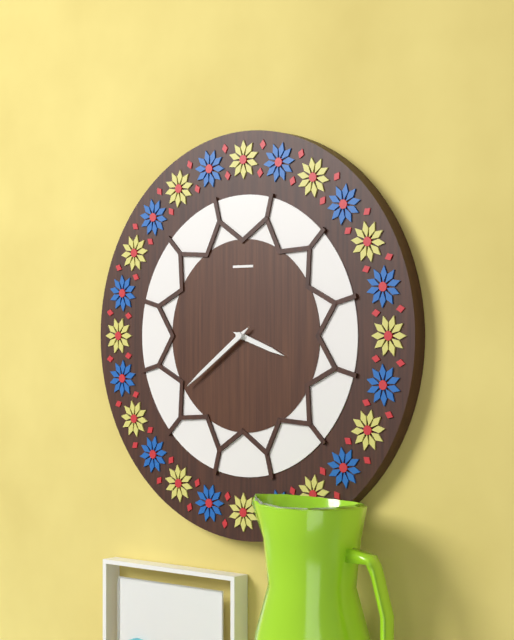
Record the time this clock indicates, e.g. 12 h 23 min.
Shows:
3 h 39 min
